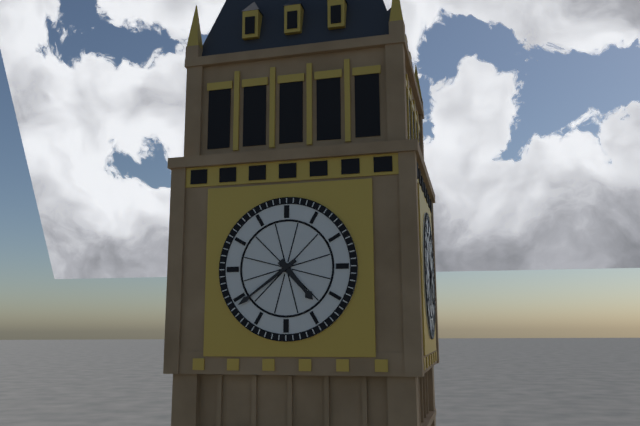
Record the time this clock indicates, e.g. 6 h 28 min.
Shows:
4 h 39 min
